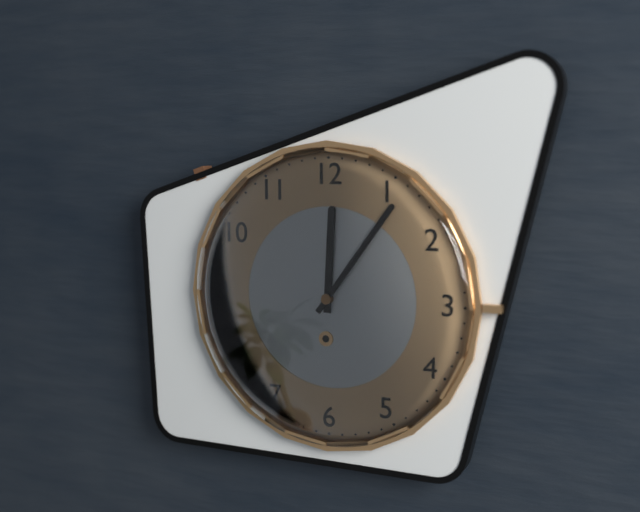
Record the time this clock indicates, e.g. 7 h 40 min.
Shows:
12 h 06 min
